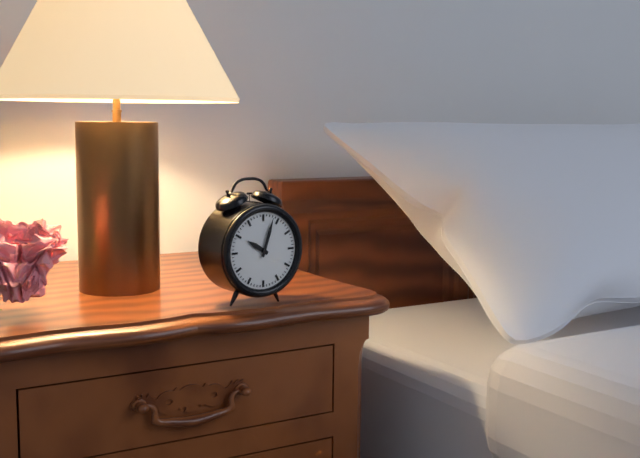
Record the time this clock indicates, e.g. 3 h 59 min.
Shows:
10 h 03 min
